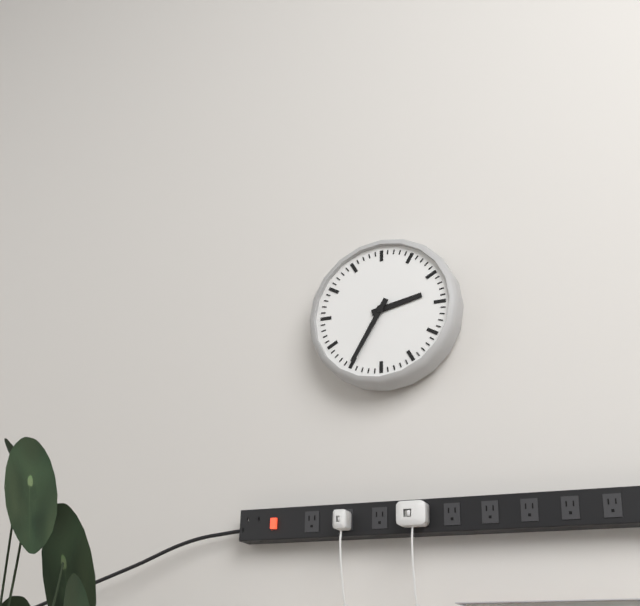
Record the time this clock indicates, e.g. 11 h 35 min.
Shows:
2 h 35 min
